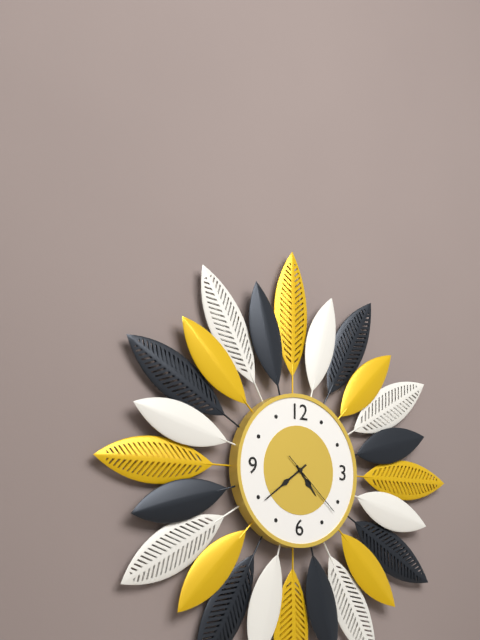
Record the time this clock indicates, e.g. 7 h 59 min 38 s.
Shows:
4 h 39 min 22 s
